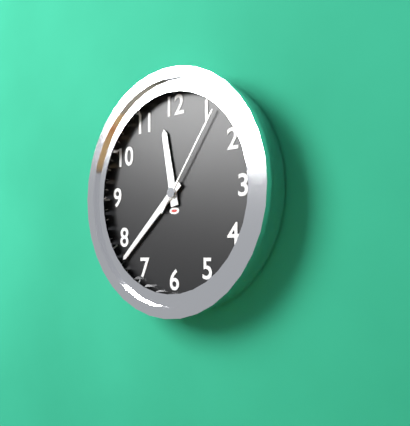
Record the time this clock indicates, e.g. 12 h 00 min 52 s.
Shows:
11 h 38 min 06 s
